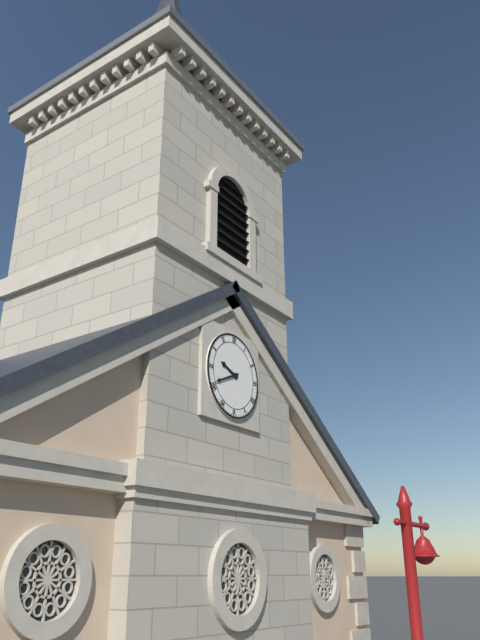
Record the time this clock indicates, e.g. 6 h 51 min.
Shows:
9 h 41 min
